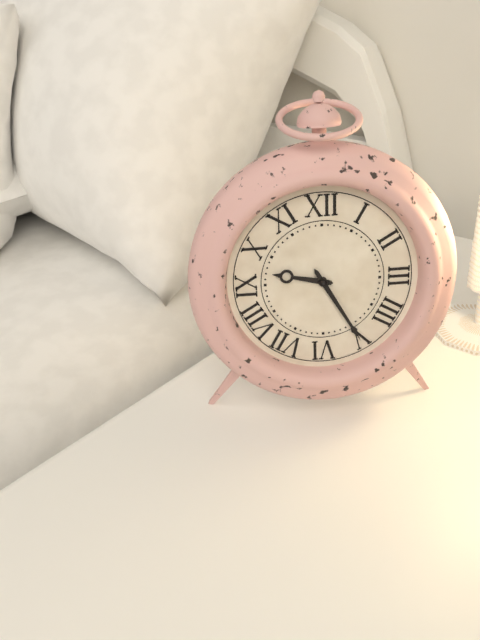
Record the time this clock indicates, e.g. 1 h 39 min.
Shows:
9 h 25 min
